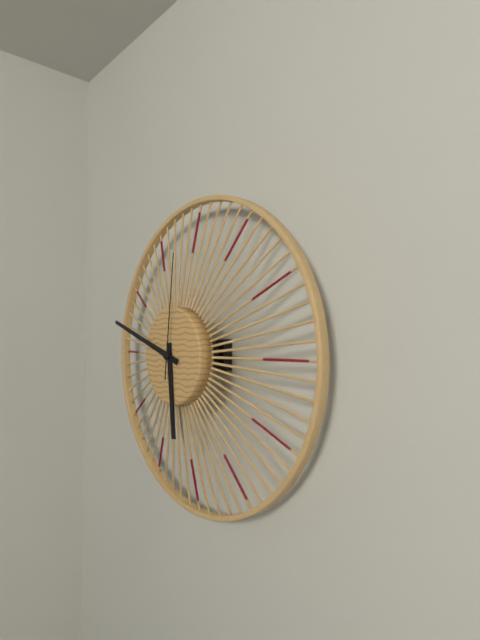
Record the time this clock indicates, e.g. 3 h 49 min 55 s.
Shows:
5 h 48 min 01 s
